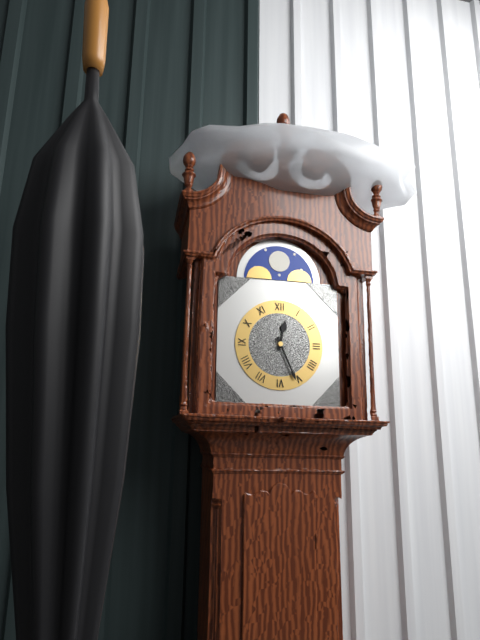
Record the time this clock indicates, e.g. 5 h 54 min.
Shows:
12 h 26 min
